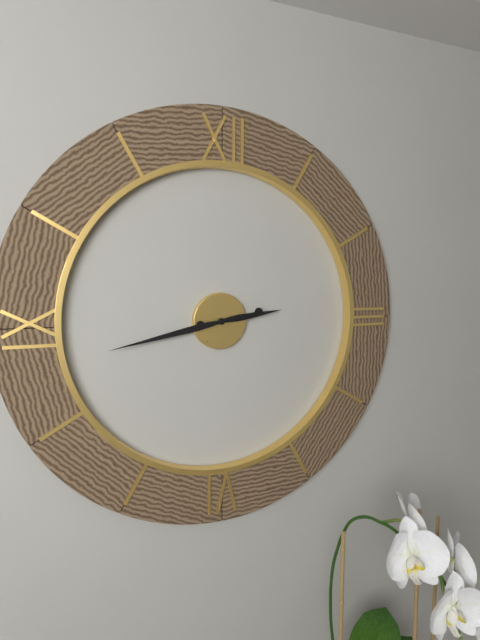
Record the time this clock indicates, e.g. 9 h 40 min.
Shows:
2 h 43 min
